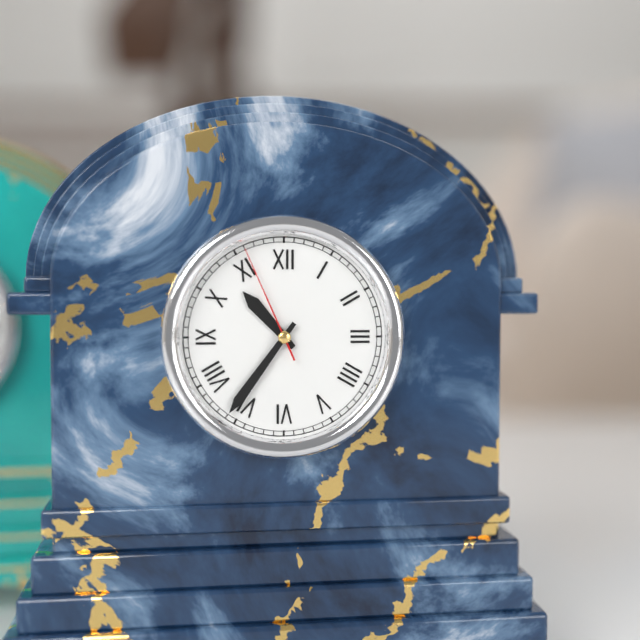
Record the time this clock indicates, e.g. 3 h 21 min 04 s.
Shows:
10 h 36 min 56 s
